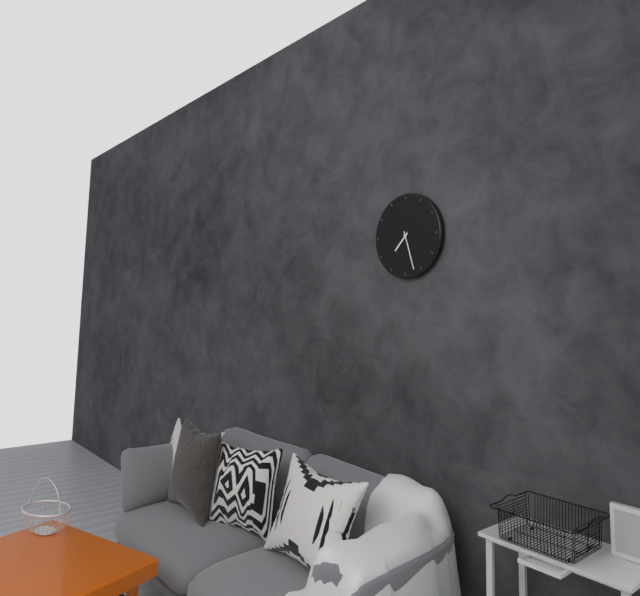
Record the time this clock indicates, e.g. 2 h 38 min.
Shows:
7 h 27 min
